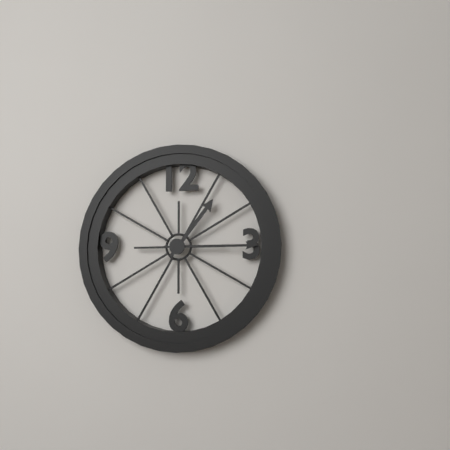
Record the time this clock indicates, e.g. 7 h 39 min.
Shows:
1 h 15 min
